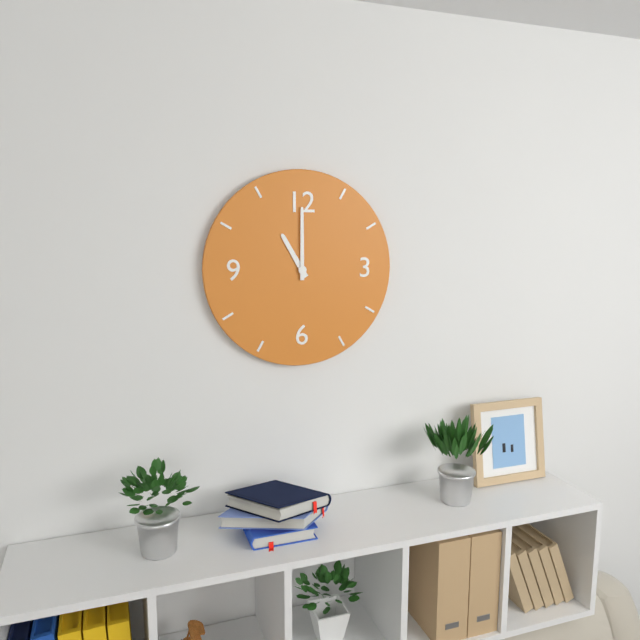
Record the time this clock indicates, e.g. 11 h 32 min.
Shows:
11 h 00 min
